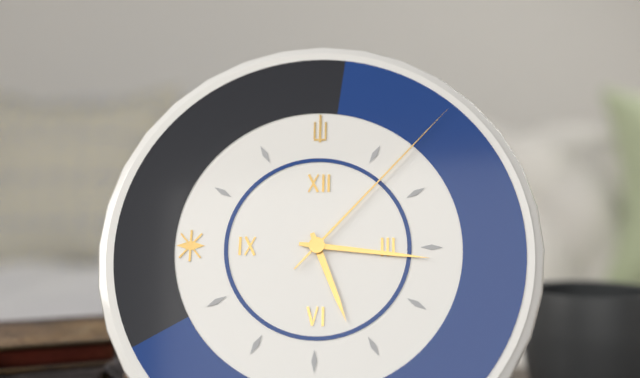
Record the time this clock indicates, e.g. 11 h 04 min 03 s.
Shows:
5 h 16 min 07 s
